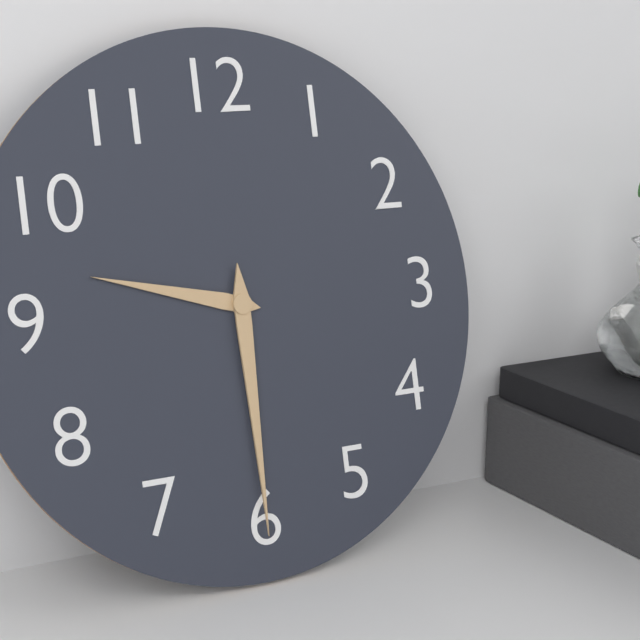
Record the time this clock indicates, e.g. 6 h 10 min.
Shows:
9 h 30 min
